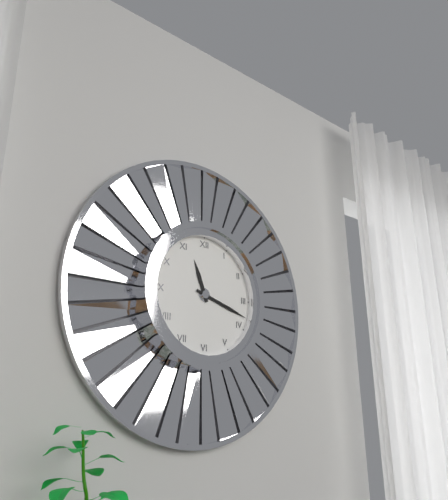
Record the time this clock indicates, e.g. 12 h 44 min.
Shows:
11 h 18 min
